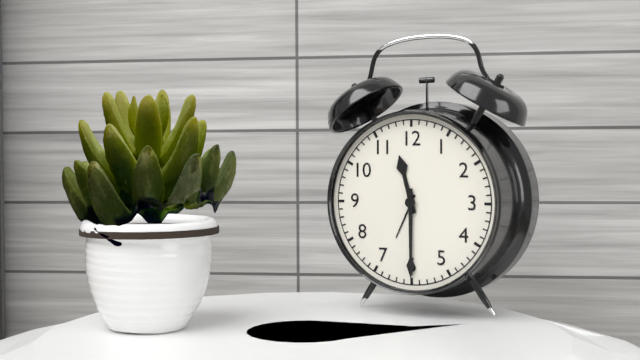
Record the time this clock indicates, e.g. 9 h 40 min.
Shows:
11 h 30 min
